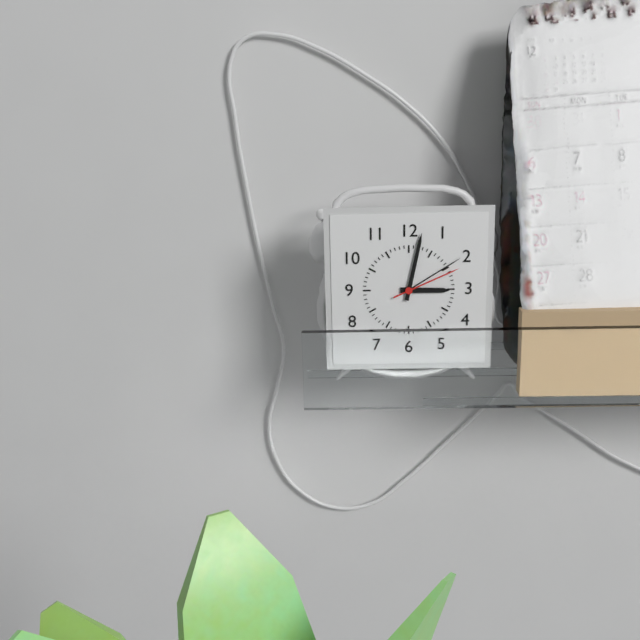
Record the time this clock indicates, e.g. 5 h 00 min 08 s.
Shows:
3 h 02 min 11 s
